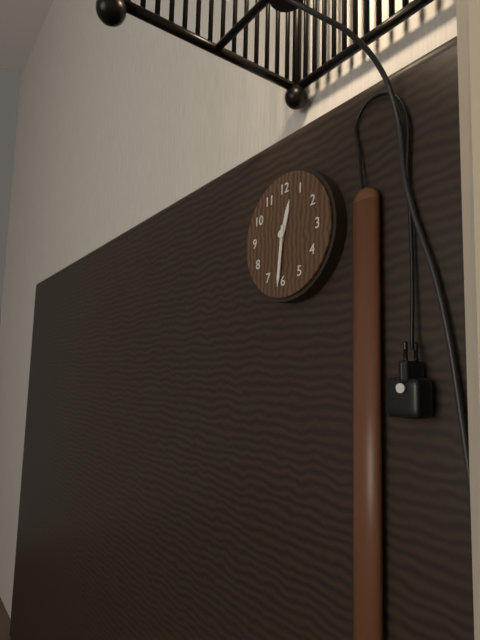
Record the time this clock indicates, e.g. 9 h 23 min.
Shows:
12 h 31 min
